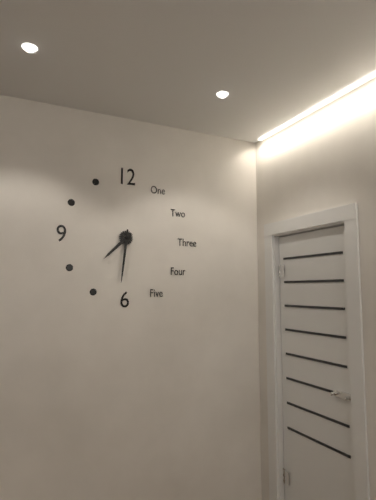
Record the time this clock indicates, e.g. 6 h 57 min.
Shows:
7 h 31 min
